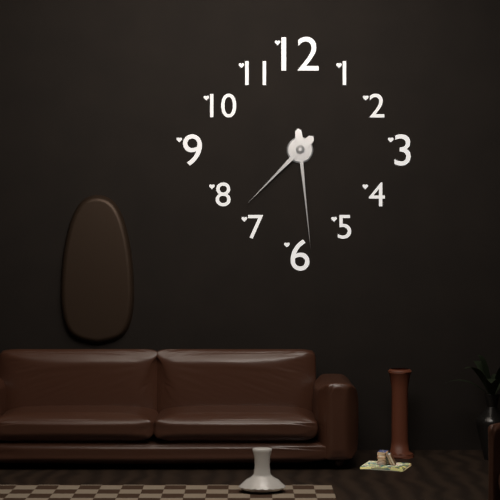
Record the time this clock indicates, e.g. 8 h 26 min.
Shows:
7 h 29 min
